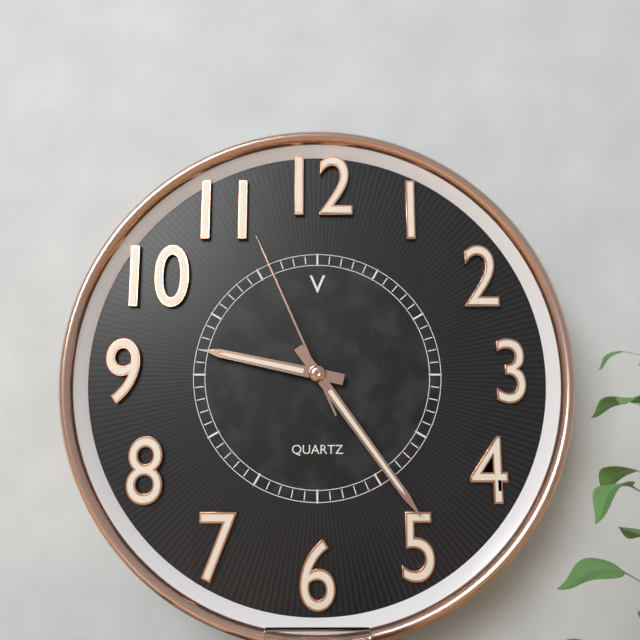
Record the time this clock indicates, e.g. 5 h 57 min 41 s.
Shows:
9 h 24 min 56 s
